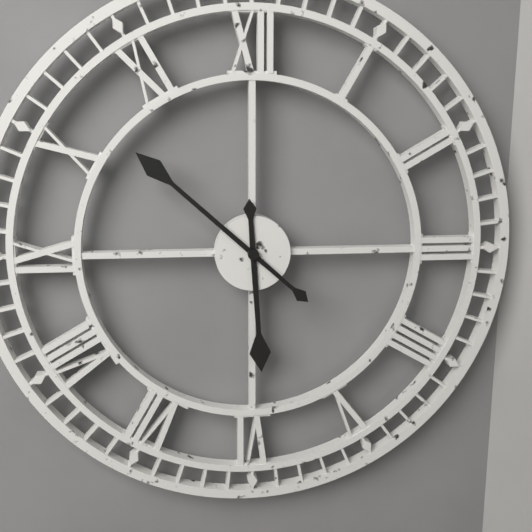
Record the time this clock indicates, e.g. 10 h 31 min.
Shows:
5 h 52 min
